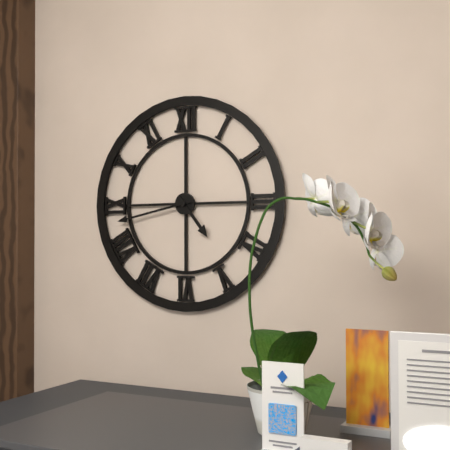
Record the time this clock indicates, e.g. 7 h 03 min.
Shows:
4 h 43 min
